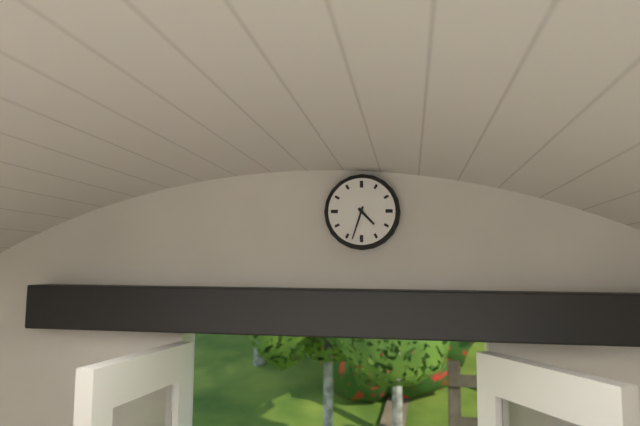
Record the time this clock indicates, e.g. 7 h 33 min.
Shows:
4 h 33 min
